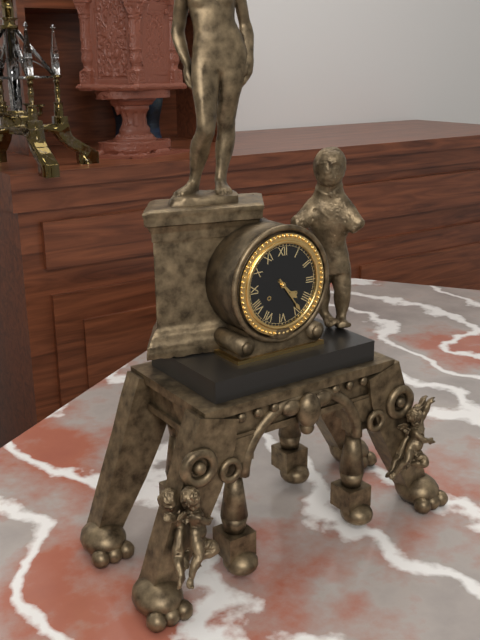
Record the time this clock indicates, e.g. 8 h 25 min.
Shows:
4 h 24 min
